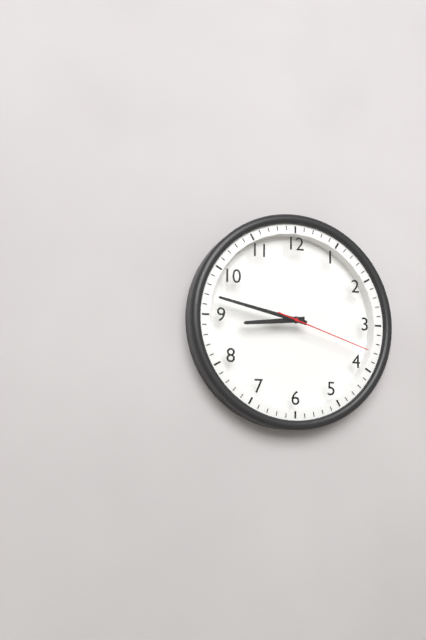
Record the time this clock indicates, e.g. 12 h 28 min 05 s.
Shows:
8 h 47 min 18 s
